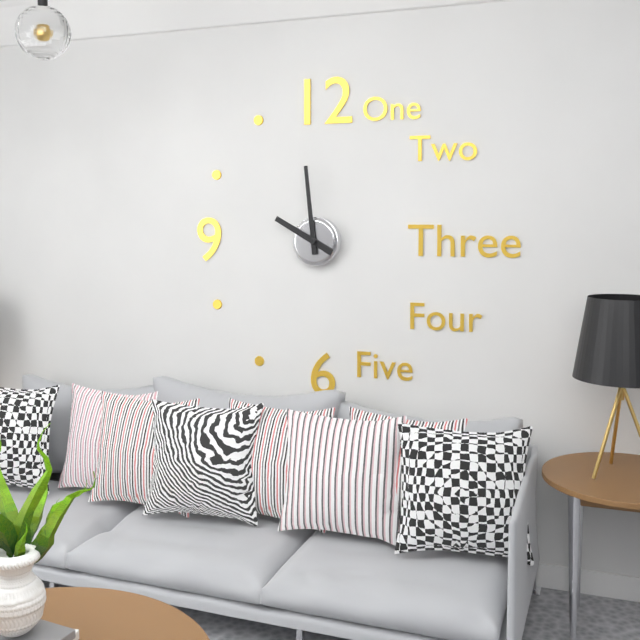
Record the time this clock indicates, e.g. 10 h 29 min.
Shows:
9 h 59 min
